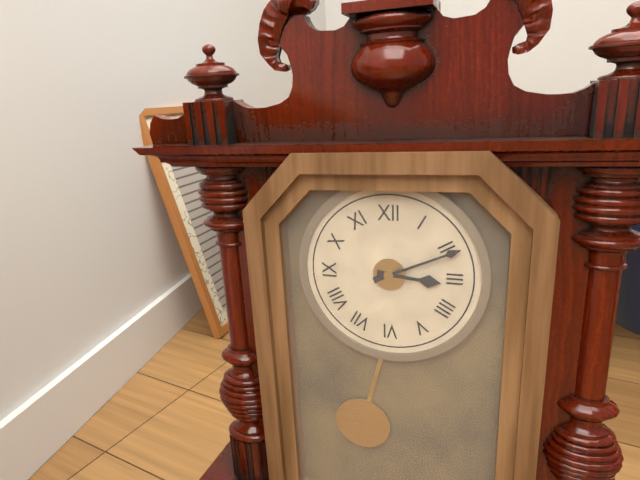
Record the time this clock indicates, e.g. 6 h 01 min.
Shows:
3 h 11 min
